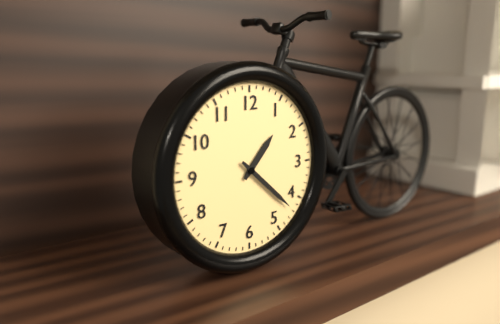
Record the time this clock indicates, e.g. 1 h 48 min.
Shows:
1 h 22 min
